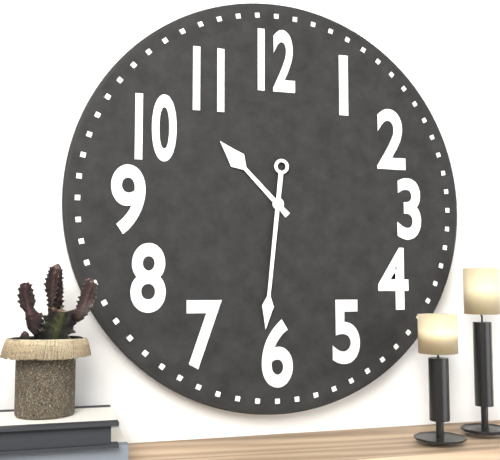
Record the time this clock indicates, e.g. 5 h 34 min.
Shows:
10 h 31 min
